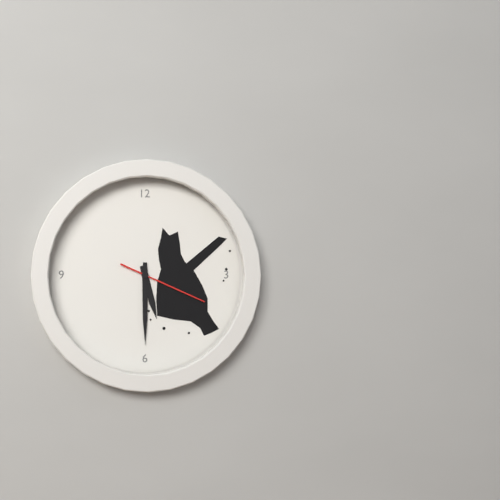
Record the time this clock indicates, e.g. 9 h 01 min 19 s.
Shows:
5 h 30 min 19 s
